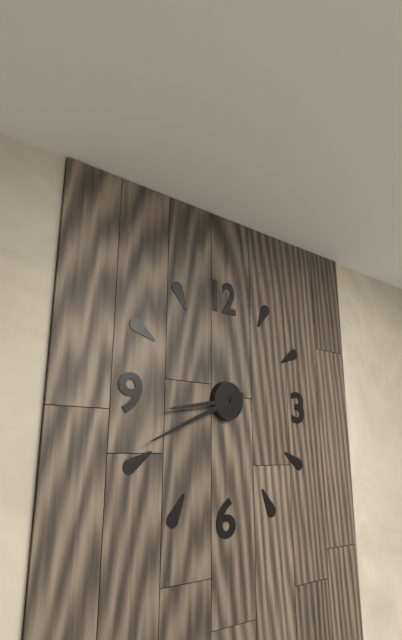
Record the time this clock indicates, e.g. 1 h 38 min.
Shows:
8 h 41 min
